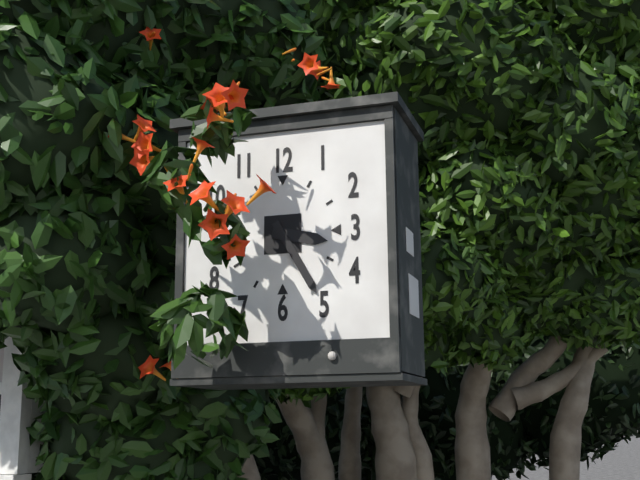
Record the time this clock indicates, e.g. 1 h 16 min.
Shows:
3 h 25 min
